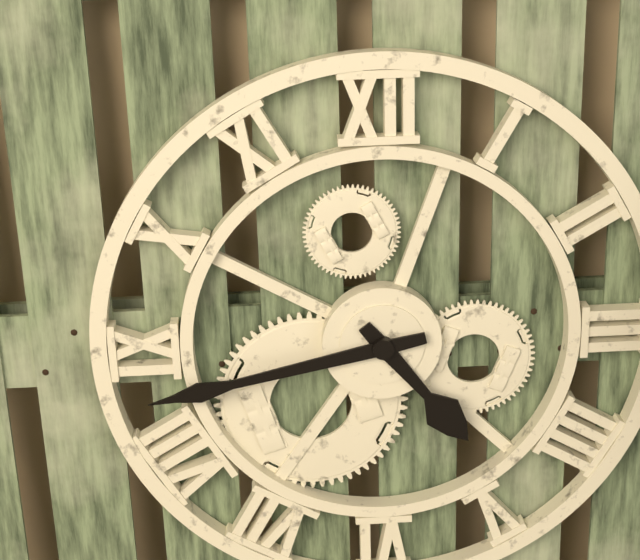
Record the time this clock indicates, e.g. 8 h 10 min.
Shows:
4 h 43 min
